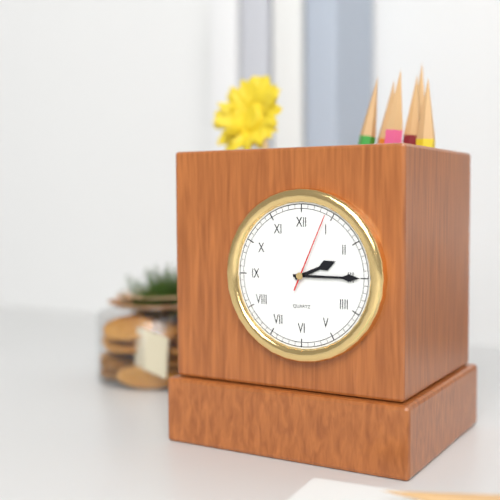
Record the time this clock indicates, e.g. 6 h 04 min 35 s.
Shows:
2 h 15 min 04 s
